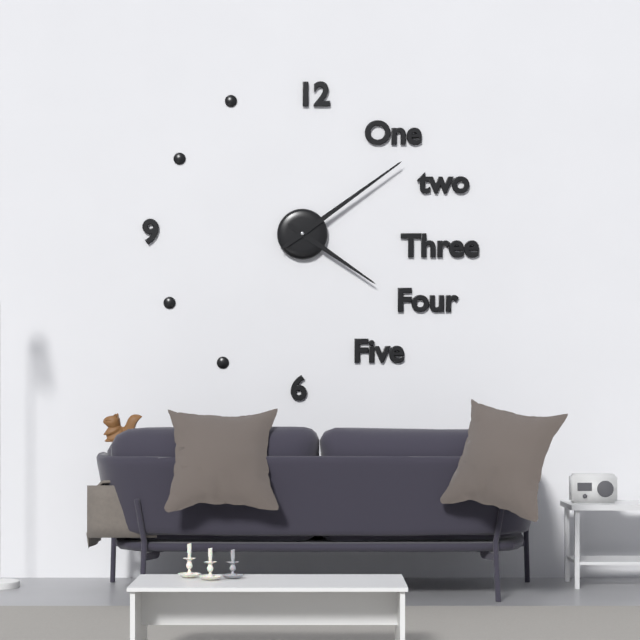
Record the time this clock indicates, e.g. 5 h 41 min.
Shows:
4 h 09 min
